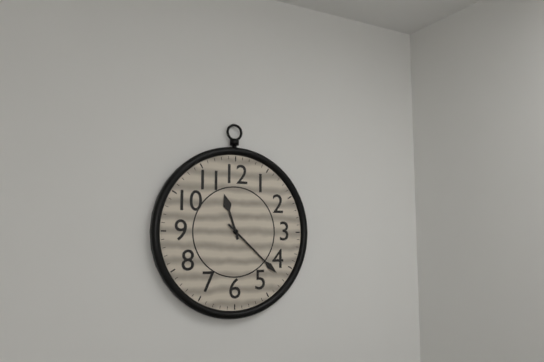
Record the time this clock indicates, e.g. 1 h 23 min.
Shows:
11 h 22 min
